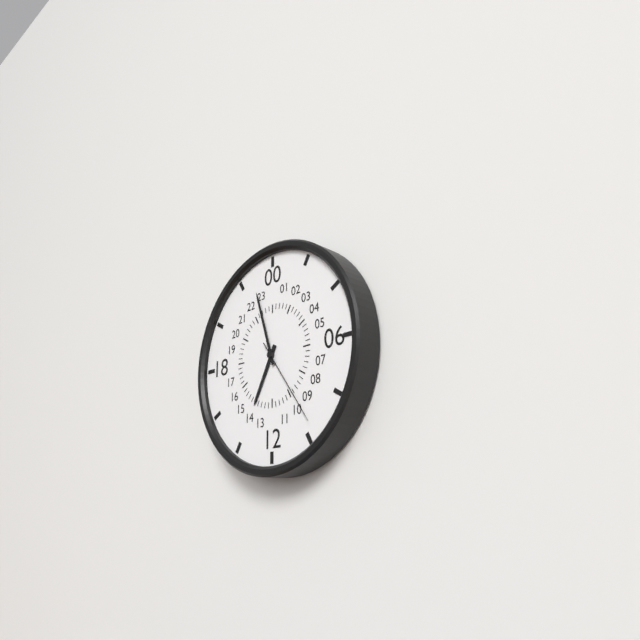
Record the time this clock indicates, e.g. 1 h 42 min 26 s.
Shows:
6 h 57 min 24 s
